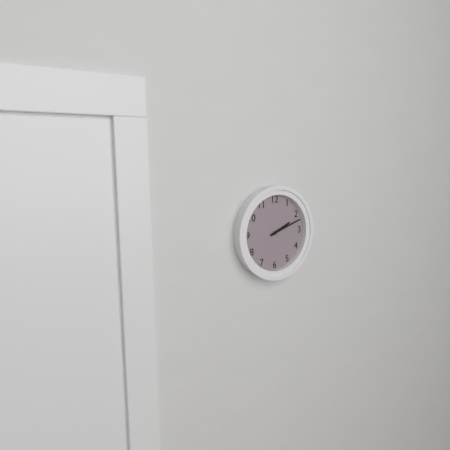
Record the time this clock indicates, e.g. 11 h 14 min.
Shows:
2 h 12 min
